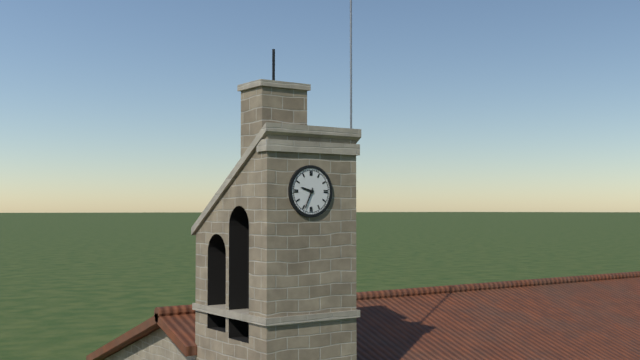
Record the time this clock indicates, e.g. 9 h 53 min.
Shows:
9 h 34 min
